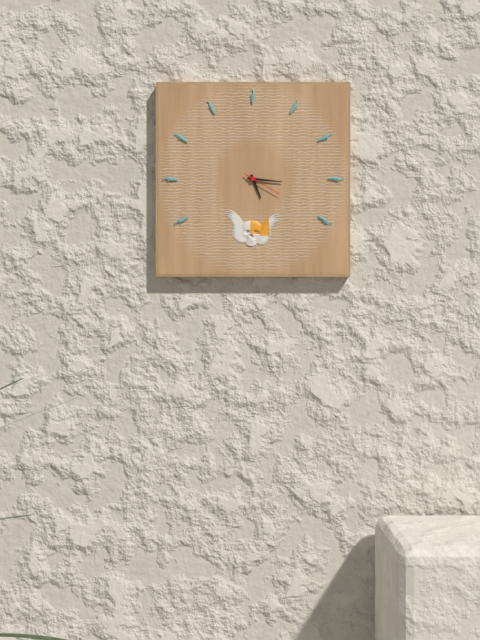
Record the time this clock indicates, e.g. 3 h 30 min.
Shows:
5 h 16 min
